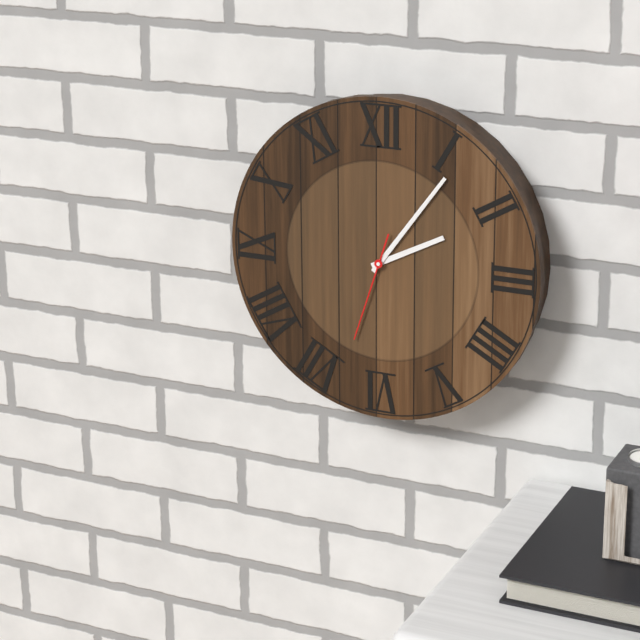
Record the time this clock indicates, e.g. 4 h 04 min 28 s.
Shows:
2 h 06 min 33 s
